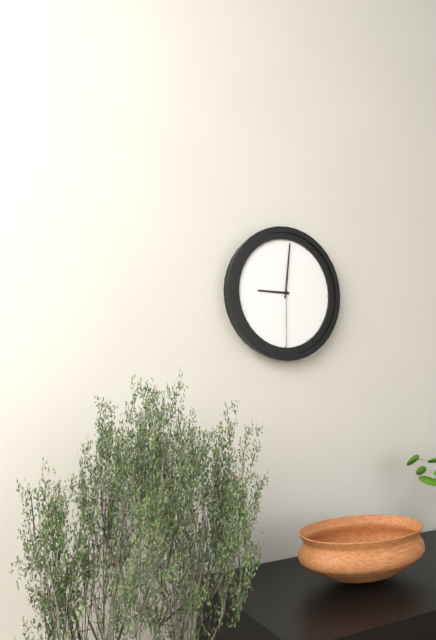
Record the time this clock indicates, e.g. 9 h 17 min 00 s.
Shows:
9 h 01 min 30 s
